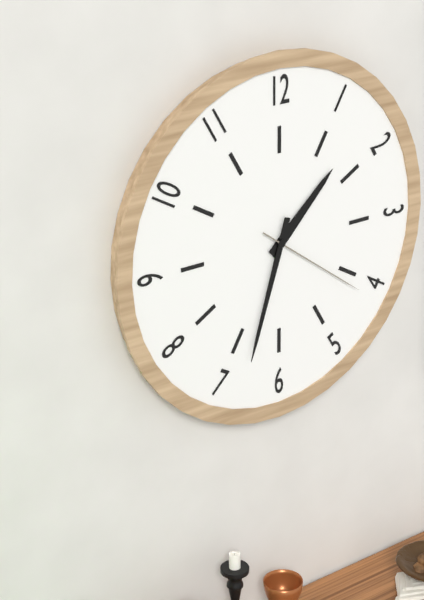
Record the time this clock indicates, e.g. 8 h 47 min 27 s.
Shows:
1 h 33 min 21 s
